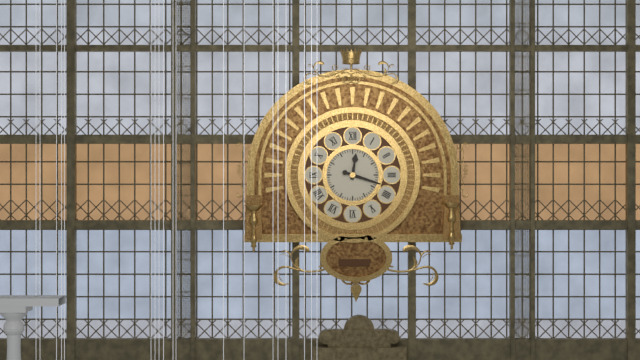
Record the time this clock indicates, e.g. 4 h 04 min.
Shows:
12 h 18 min
